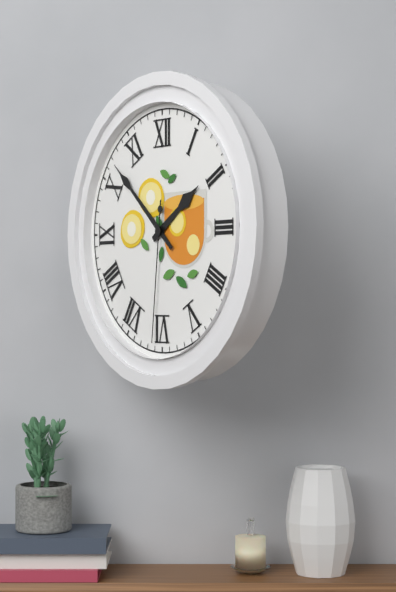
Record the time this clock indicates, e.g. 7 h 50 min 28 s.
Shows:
1 h 52 min 31 s
